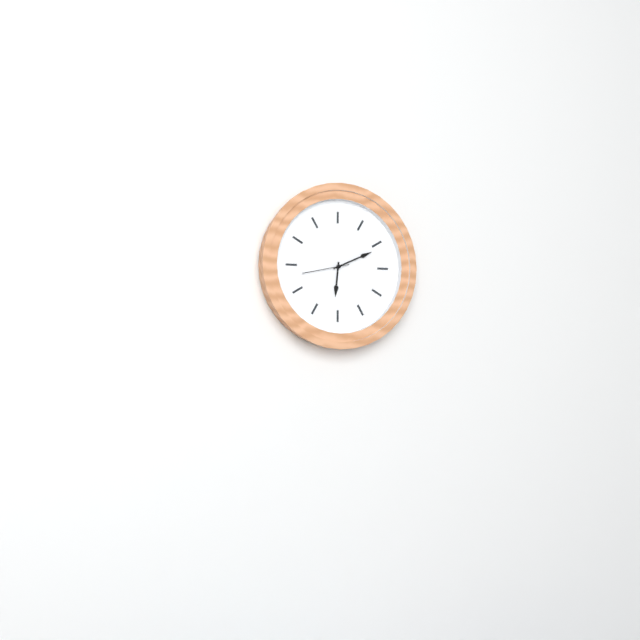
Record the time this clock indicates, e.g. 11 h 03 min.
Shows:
6 h 11 min
